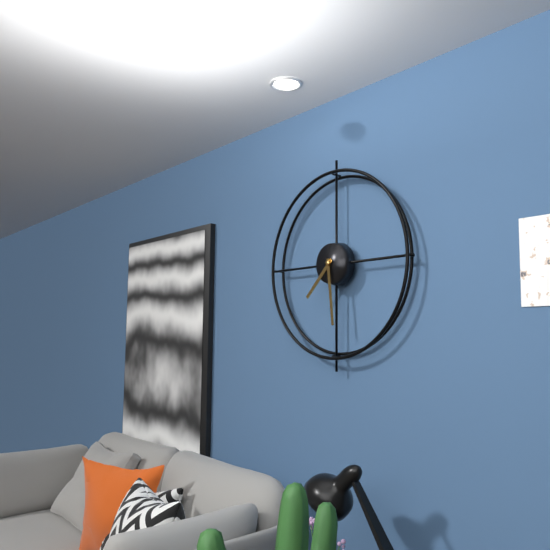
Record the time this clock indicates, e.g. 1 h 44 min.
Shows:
7 h 29 min
